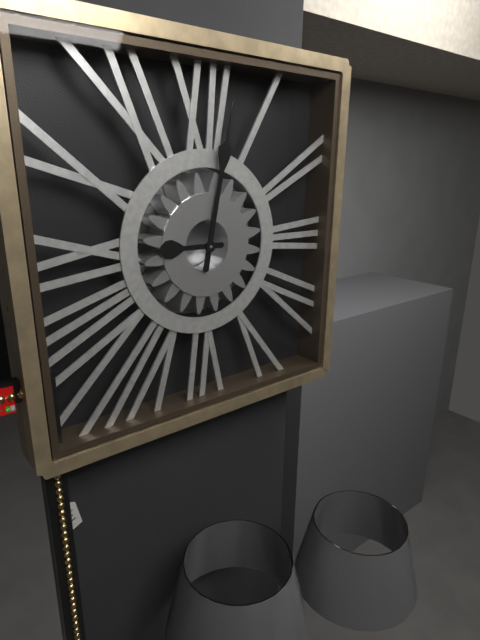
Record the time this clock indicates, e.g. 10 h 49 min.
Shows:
9 h 02 min
